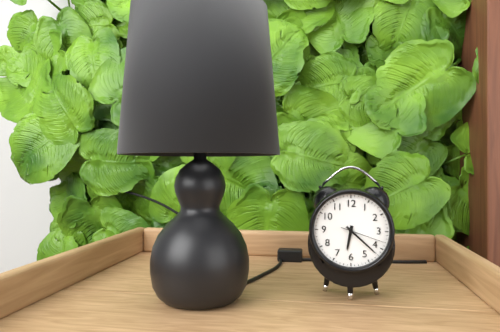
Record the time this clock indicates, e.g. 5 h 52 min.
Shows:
6 h 22 min
